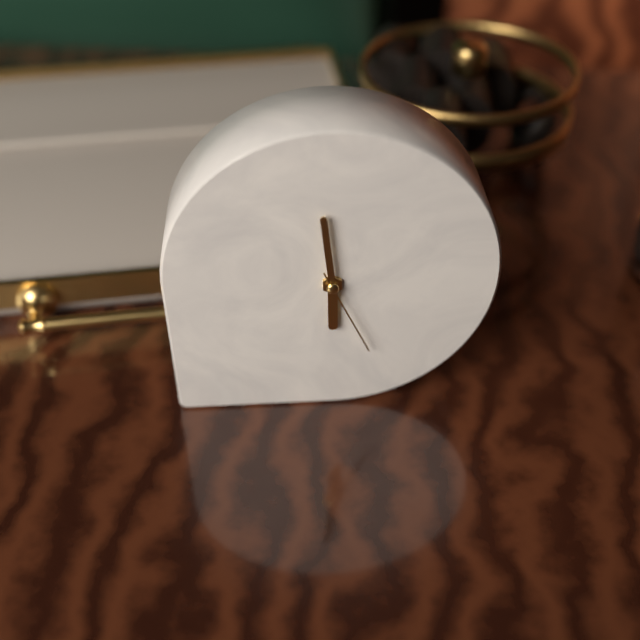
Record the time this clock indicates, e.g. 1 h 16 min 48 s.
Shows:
5 h 59 min 26 s
